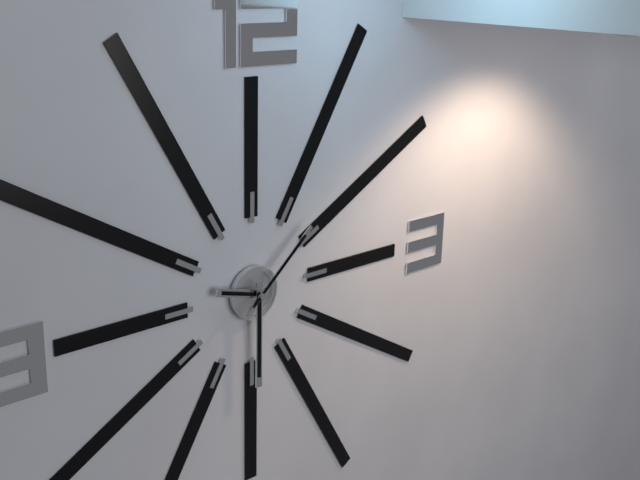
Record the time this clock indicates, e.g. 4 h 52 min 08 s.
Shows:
9 h 30 min 08 s
